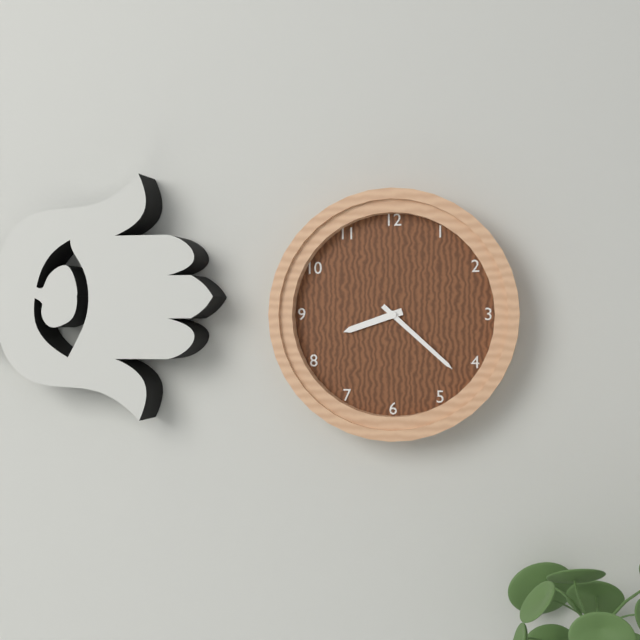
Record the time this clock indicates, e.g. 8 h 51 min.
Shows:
8 h 22 min
